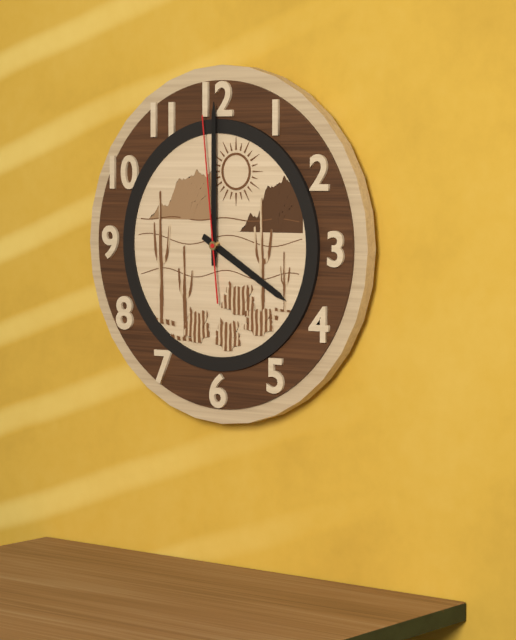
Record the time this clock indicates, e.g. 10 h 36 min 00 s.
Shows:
4 h 00 min 59 s
